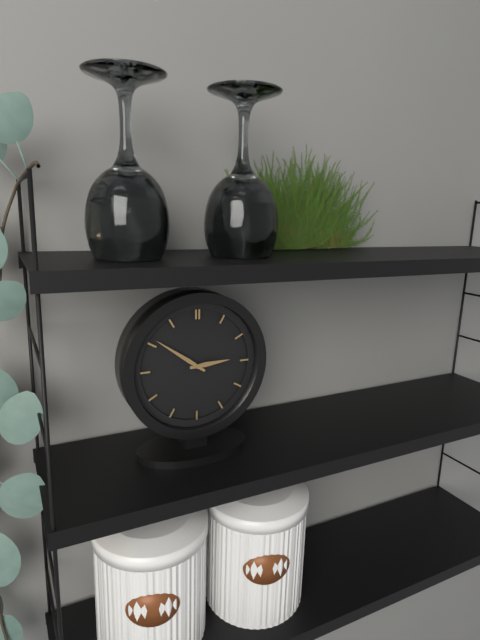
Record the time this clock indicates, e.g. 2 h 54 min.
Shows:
2 h 51 min
